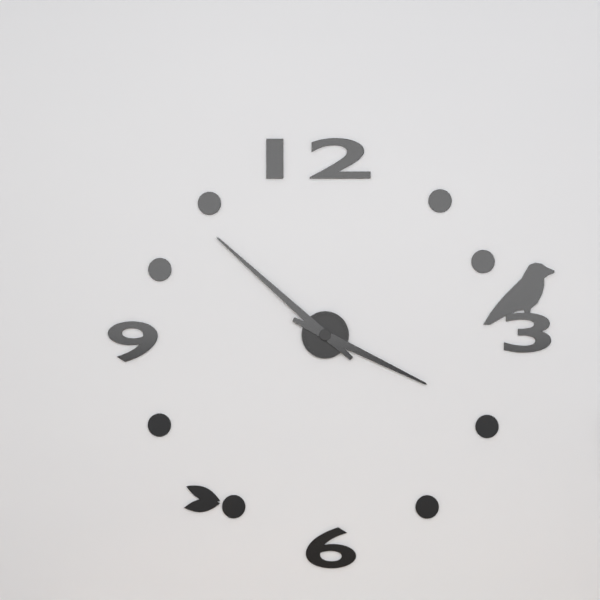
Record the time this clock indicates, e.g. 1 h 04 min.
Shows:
3 h 52 min
